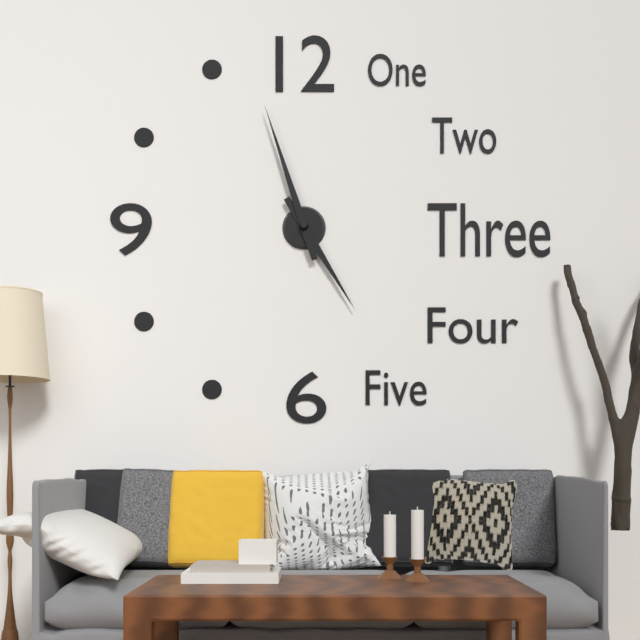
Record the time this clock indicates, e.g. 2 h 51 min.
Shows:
4 h 57 min
